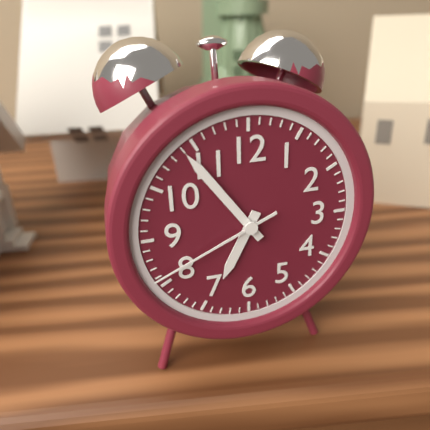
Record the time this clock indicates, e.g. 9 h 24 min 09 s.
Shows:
6 h 54 min 41 s
